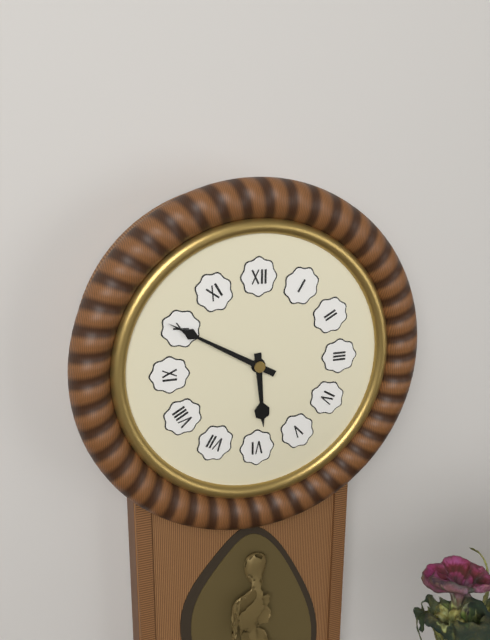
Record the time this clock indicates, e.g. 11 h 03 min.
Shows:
5 h 50 min
